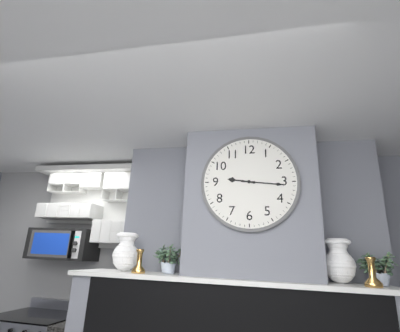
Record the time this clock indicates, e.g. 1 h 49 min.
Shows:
9 h 16 min
